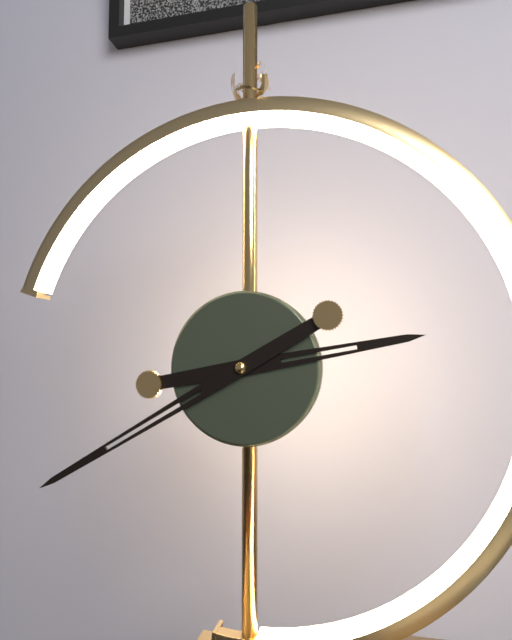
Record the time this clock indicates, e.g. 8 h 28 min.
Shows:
2 h 40 min
